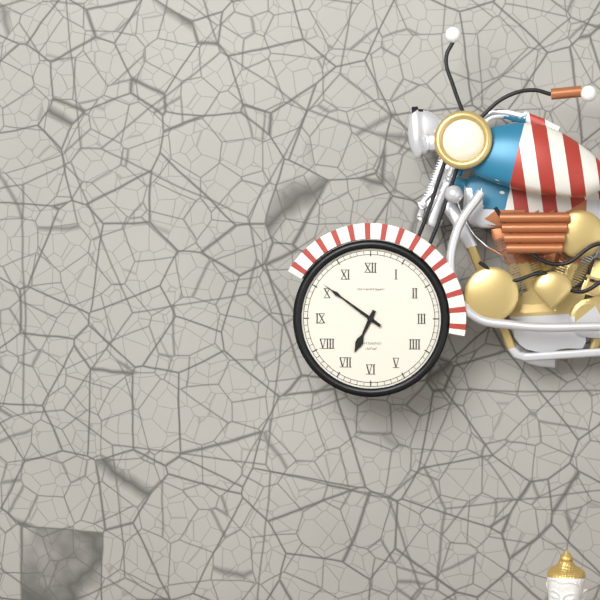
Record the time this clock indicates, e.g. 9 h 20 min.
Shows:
6 h 51 min
